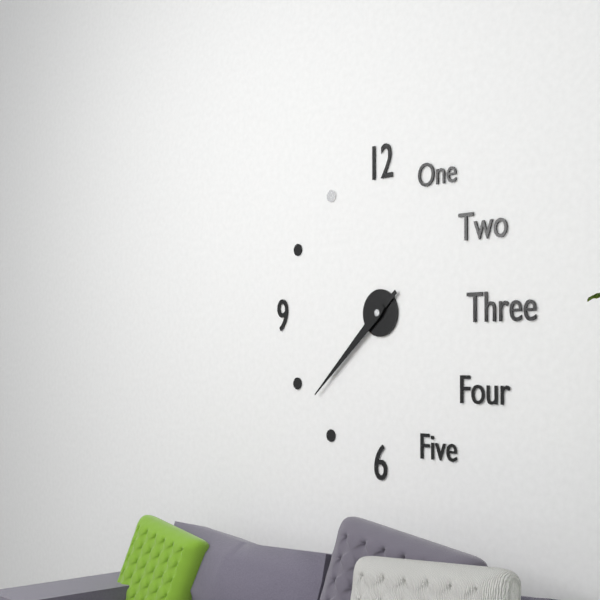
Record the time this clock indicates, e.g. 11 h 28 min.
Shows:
7 h 38 min
